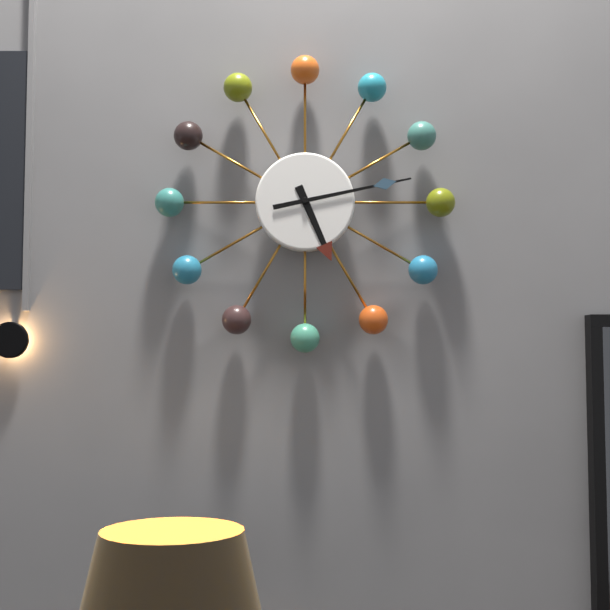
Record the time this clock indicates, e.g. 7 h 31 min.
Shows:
5 h 13 min
